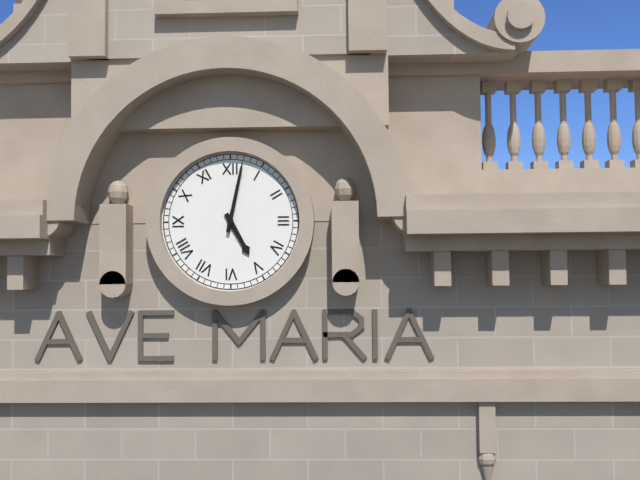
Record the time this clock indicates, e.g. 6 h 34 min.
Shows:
5 h 02 min
